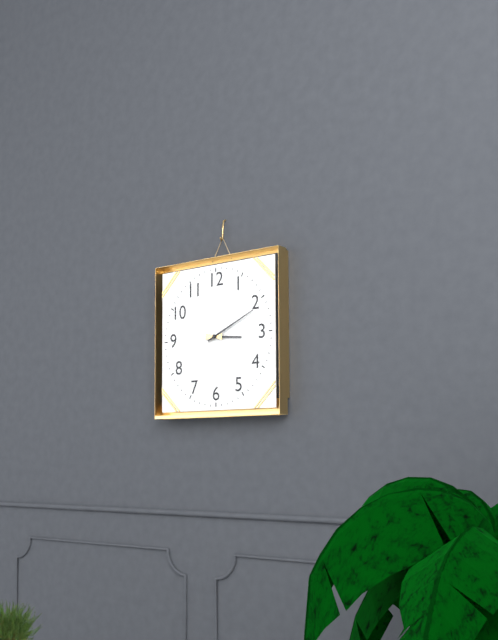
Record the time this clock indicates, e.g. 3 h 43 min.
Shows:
3 h 11 min
